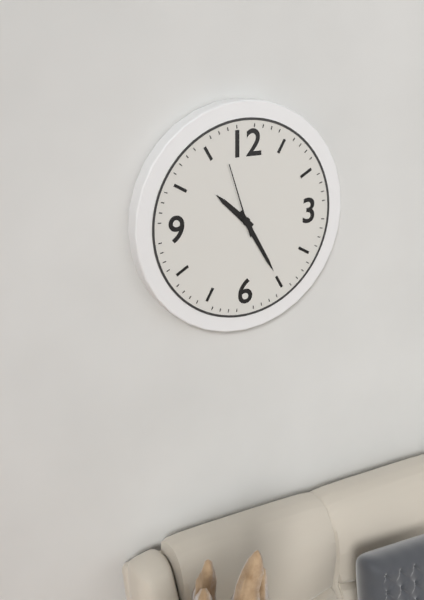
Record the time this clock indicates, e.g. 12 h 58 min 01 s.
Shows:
10 h 25 min 57 s
